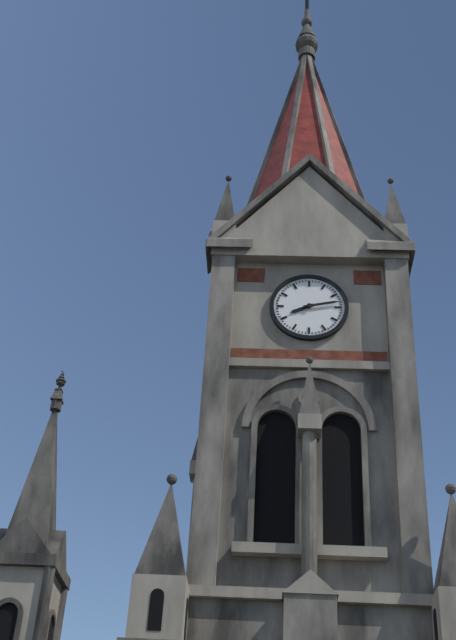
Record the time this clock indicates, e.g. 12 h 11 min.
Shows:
8 h 13 min
